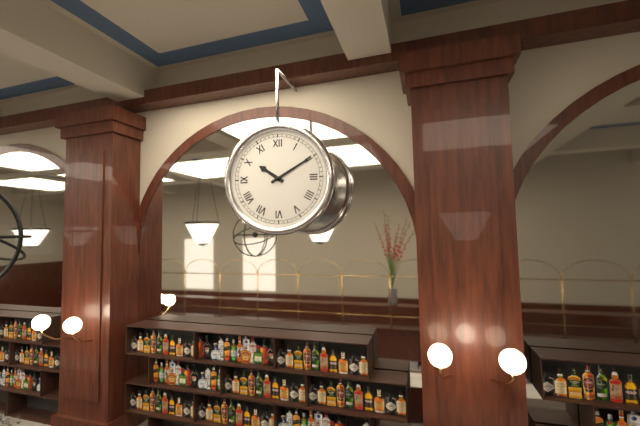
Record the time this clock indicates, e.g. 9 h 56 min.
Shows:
10 h 10 min
